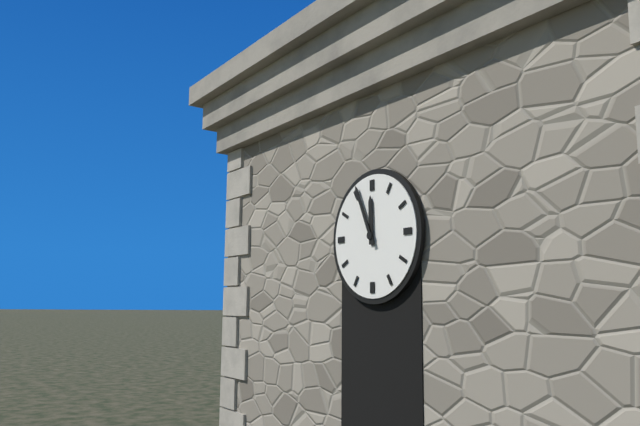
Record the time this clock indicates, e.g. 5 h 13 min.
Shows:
11 h 56 min
